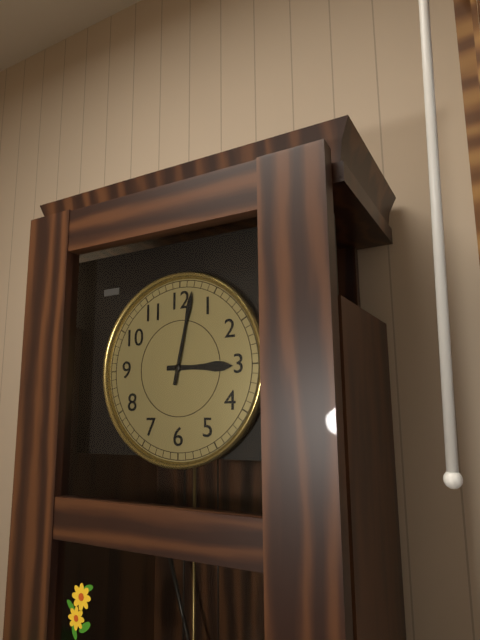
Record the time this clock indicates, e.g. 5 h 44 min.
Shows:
3 h 02 min
